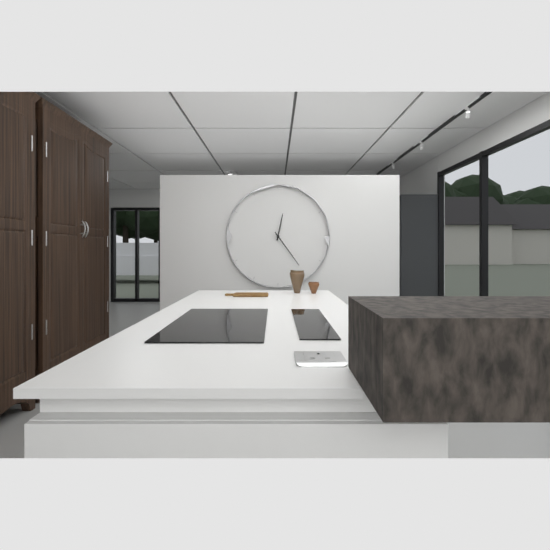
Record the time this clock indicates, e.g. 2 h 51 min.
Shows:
12 h 24 min
